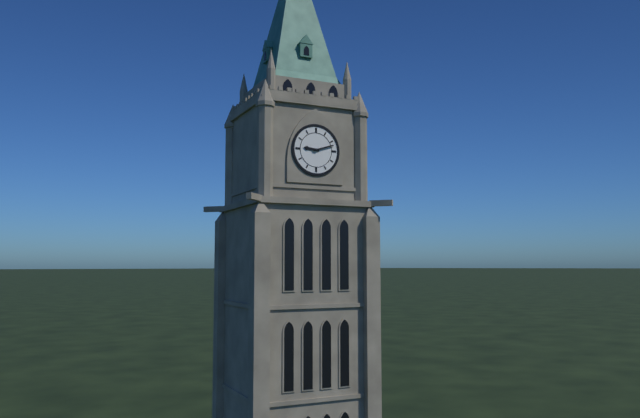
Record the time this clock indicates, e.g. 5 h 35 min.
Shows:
9 h 12 min
